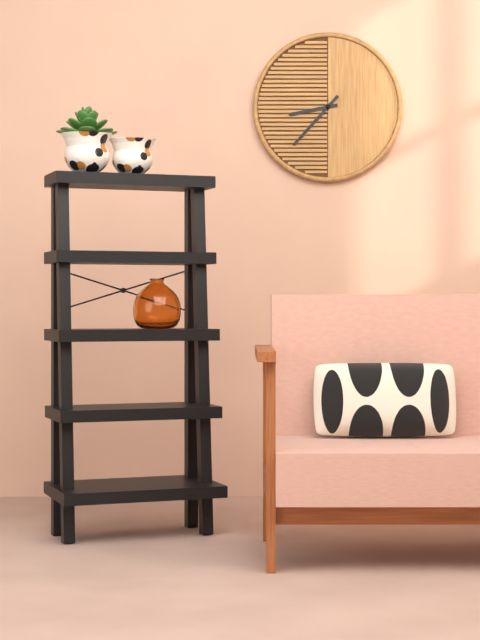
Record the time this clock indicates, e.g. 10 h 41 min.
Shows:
8 h 37 min
